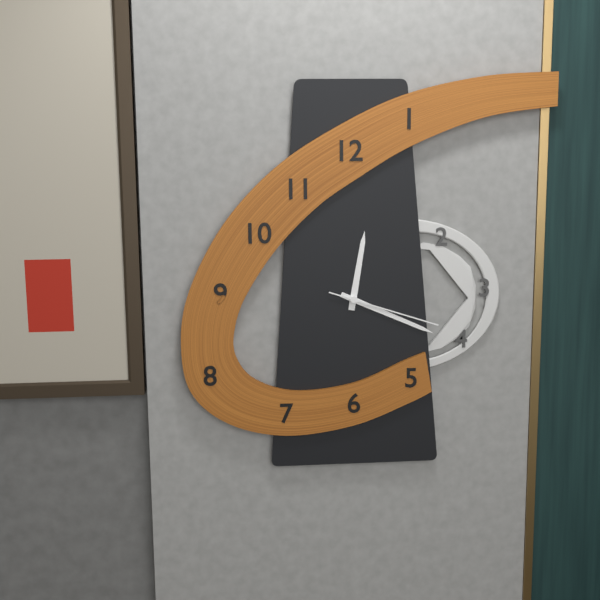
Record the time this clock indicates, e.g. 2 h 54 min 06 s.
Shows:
12 h 19 min 18 s
